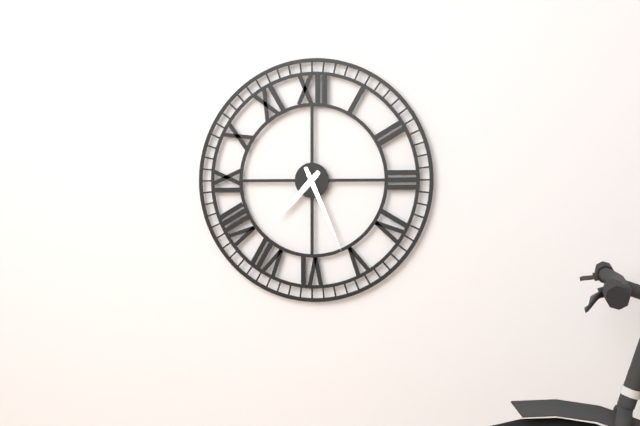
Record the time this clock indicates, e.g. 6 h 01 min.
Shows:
7 h 26 min
